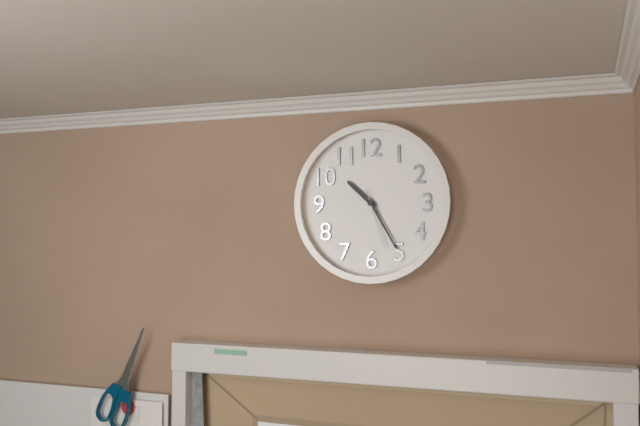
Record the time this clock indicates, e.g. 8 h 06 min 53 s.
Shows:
10 h 25 min 27 s
